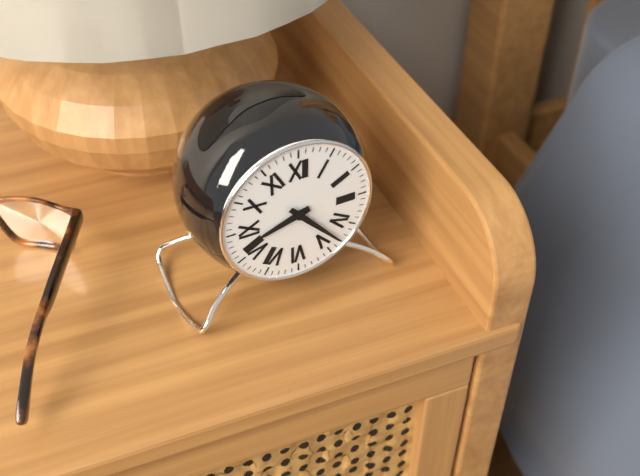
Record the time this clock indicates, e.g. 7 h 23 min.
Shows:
8 h 23 min
